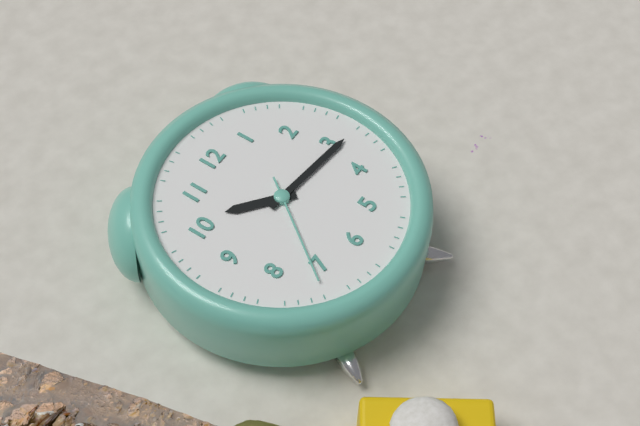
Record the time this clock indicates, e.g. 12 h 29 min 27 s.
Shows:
10 h 16 min 36 s
